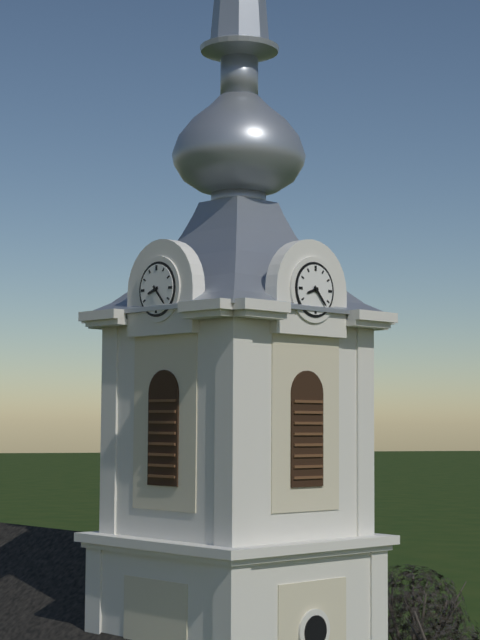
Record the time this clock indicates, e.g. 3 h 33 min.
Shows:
8 h 23 min
